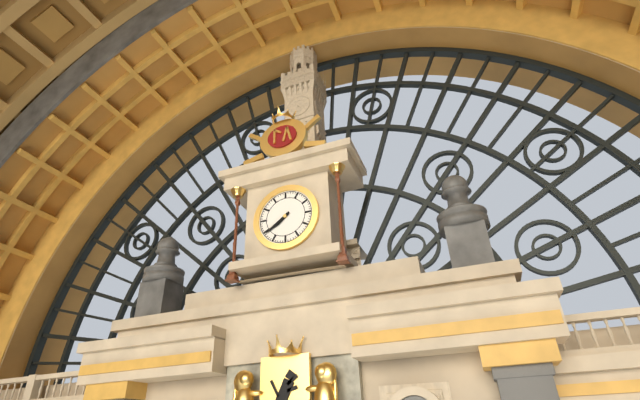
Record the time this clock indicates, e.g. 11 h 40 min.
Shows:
7 h 39 min
